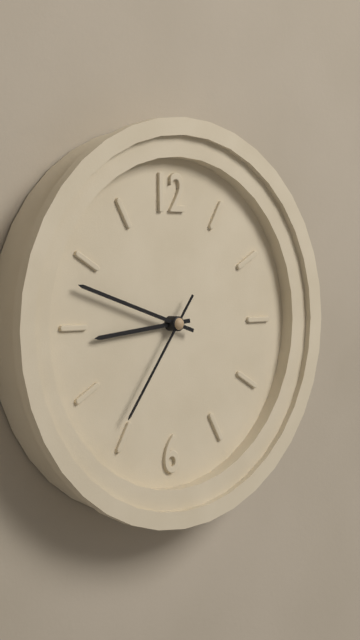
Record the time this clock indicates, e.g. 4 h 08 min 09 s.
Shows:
8 h 48 min 36 s
